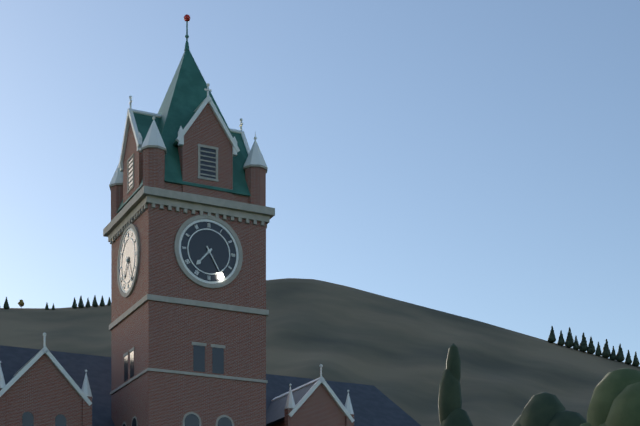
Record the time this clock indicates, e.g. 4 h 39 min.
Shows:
7 h 25 min
